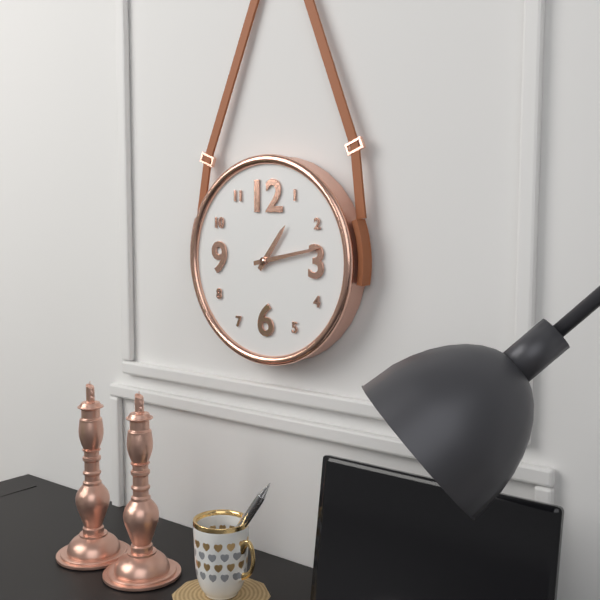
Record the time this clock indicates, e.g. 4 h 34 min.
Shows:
1 h 13 min
